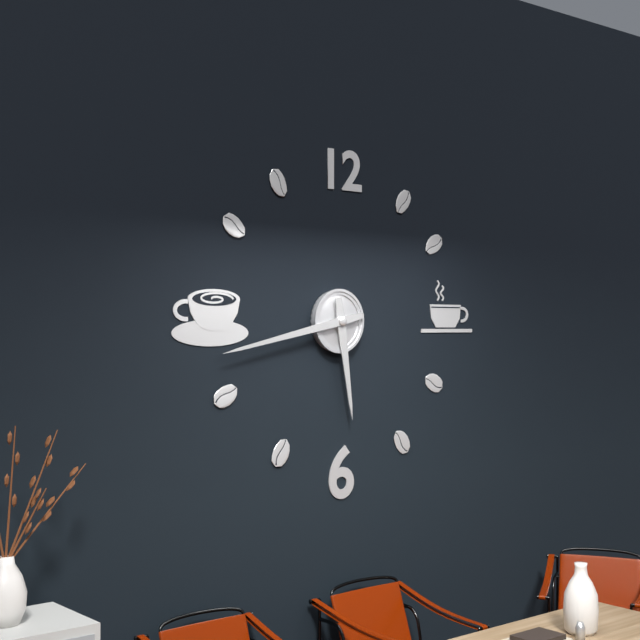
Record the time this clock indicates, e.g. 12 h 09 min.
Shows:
5 h 43 min
